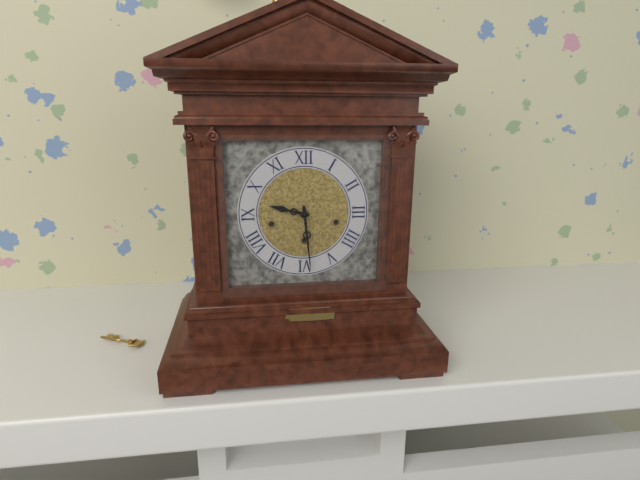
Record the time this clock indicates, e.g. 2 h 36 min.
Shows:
9 h 29 min
